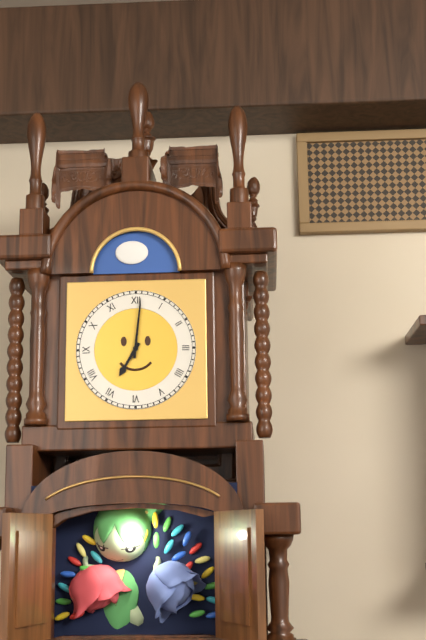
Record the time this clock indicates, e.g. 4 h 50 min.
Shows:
7 h 01 min
